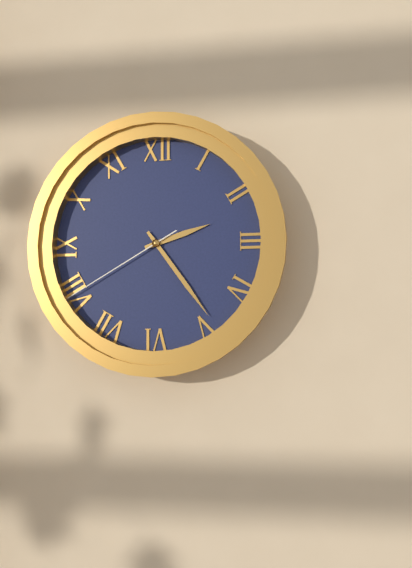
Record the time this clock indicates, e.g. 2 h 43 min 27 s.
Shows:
2 h 24 min 40 s
